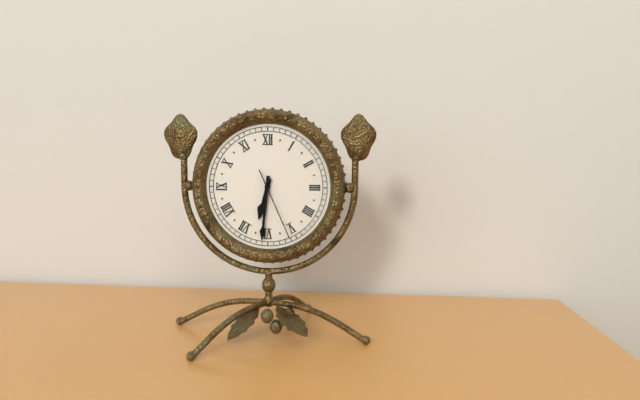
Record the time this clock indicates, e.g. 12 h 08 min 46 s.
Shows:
6 h 31 min 26 s
